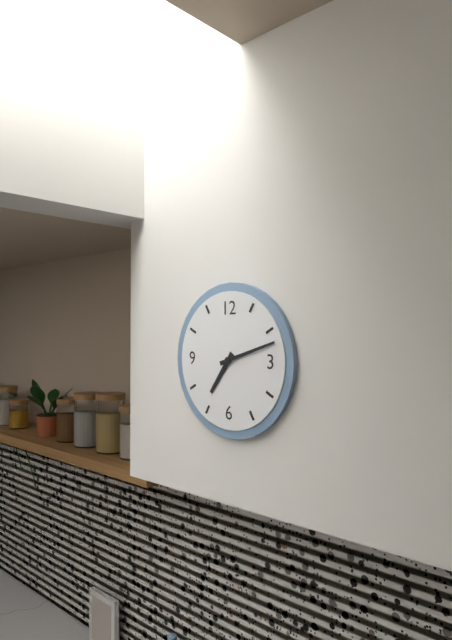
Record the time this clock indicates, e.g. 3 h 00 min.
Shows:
7 h 12 min
